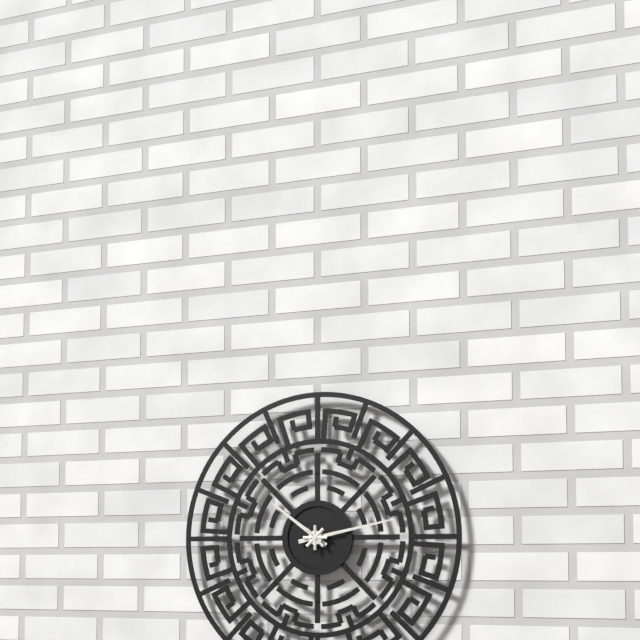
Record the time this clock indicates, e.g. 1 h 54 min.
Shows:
10 h 13 min
